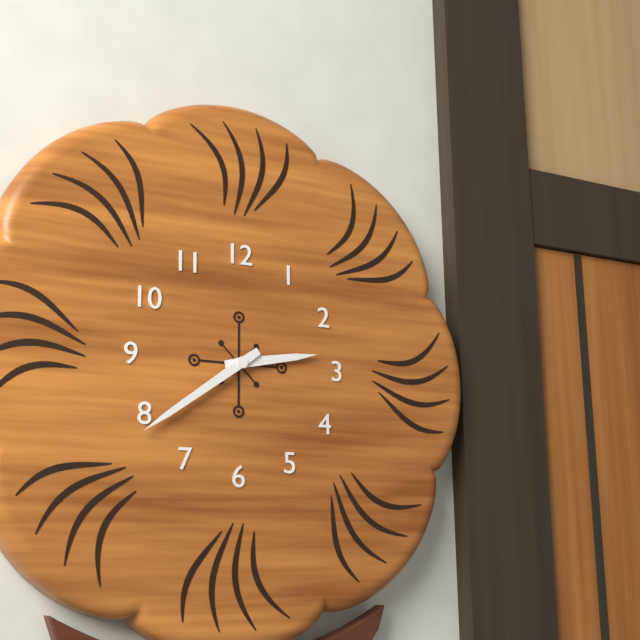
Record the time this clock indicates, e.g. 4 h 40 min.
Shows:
2 h 39 min
